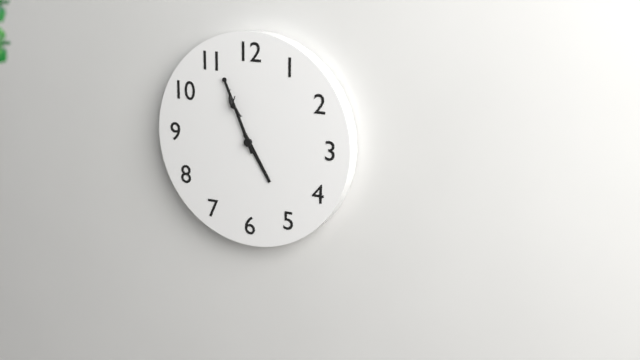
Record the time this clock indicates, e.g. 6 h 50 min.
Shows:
4 h 56 min
